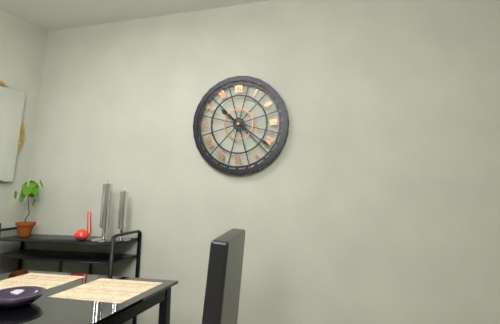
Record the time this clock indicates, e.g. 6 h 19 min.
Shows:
10 h 21 min
